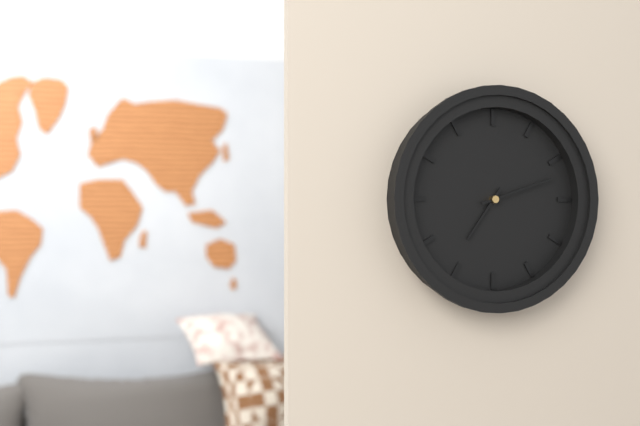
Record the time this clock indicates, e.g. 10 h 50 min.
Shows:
7 h 12 min
